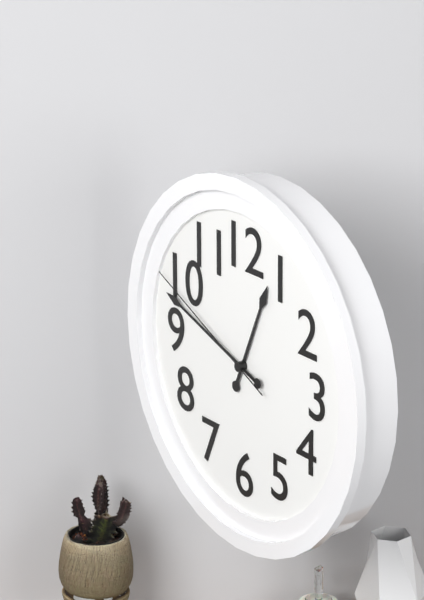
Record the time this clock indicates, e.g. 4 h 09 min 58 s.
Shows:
12 h 48 min 49 s
